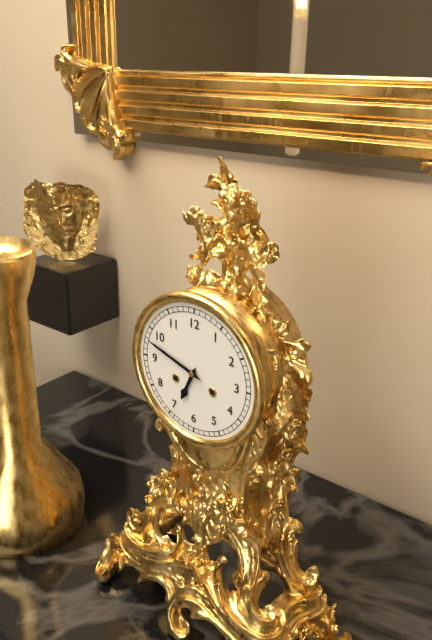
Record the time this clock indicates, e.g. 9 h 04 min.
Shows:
6 h 48 min
